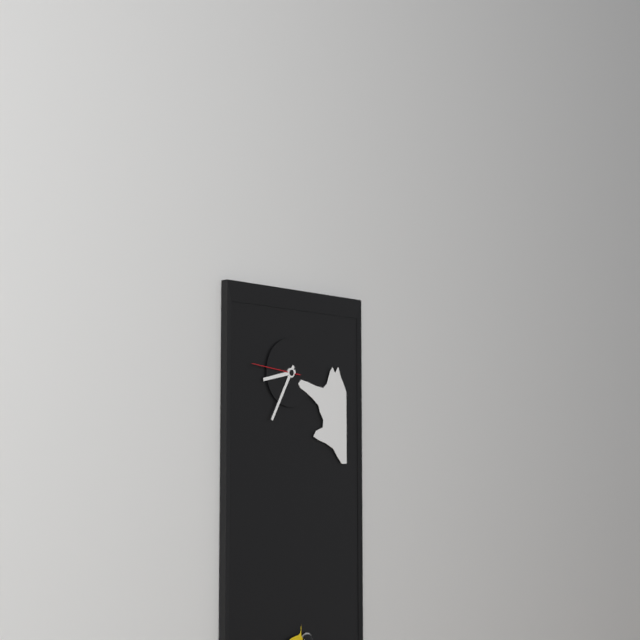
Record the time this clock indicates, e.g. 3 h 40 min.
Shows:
8 h 35 min
